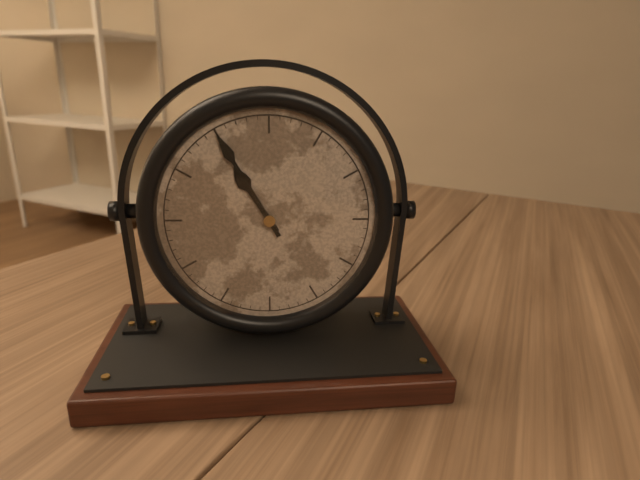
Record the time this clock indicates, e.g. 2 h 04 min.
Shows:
10 h 55 min
